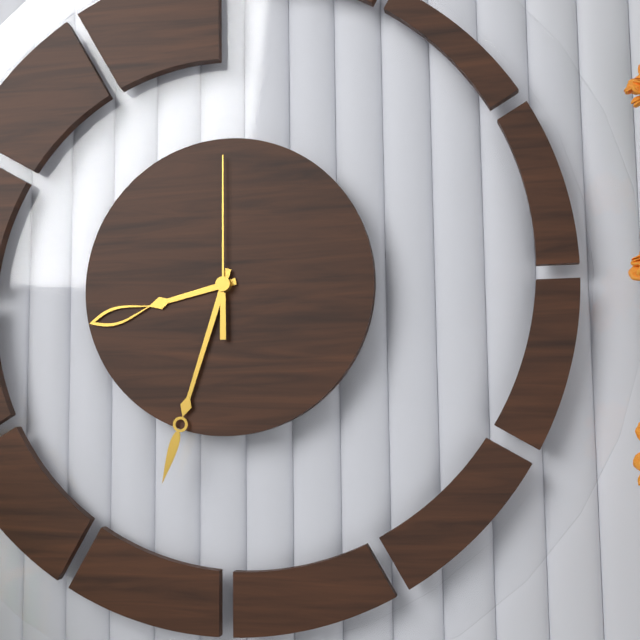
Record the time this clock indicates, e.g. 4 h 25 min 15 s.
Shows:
8 h 33 min 00 s
